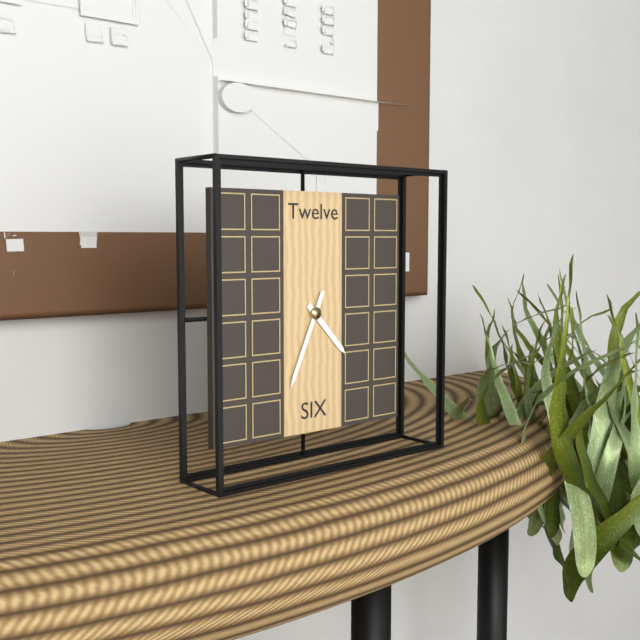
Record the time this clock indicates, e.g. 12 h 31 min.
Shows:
4 h 34 min
